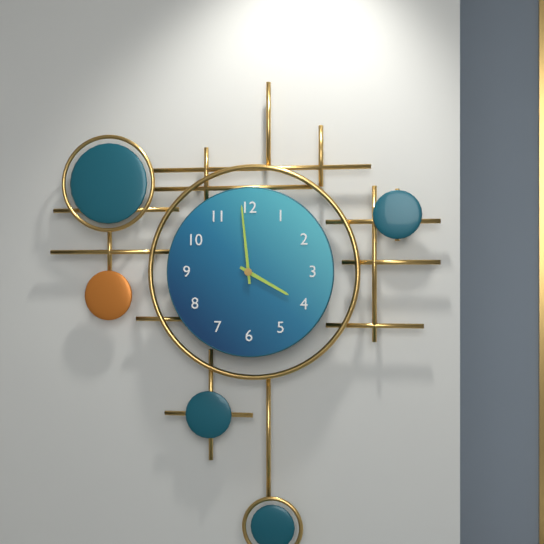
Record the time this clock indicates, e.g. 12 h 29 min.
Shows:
3 h 59 min
